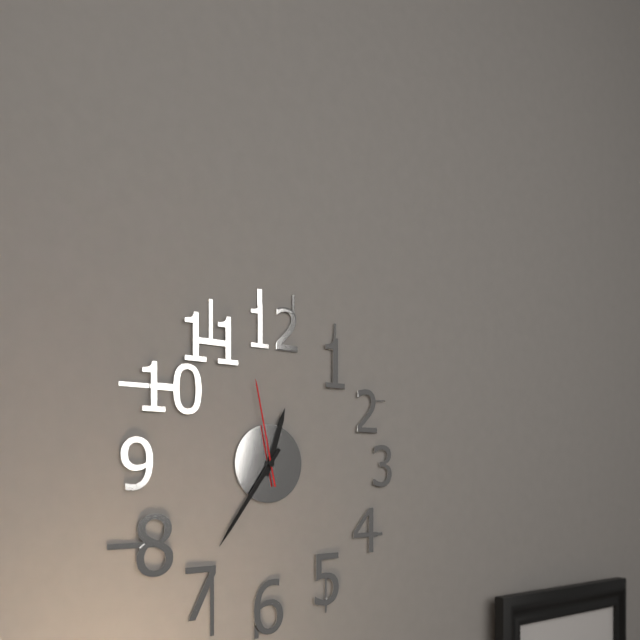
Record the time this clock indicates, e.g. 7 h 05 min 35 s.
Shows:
12 h 36 min 58 s
